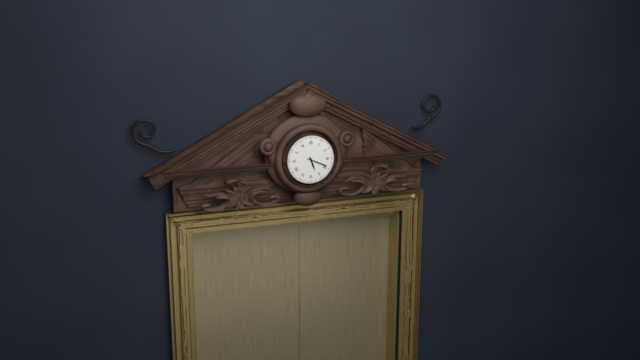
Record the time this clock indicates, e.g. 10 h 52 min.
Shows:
5 h 19 min
